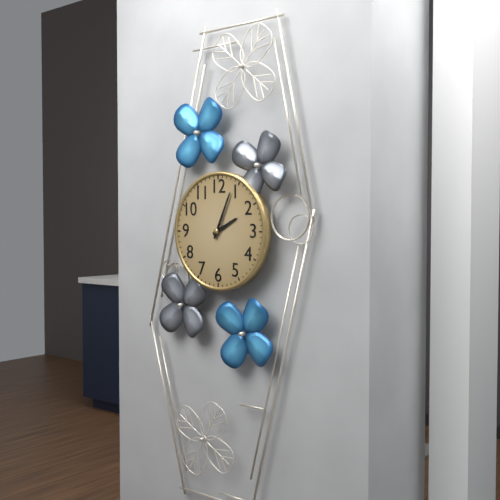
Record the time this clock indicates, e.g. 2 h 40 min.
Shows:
2 h 04 min
